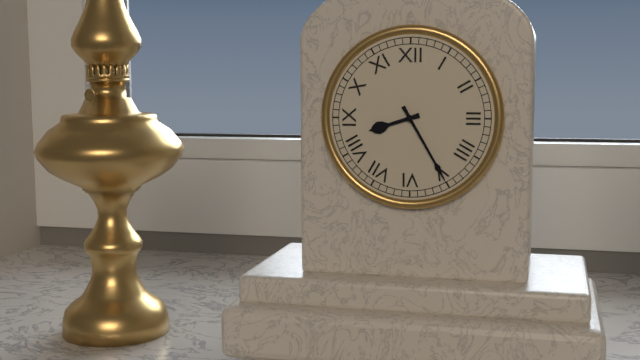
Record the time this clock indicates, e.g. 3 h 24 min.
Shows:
8 h 25 min
